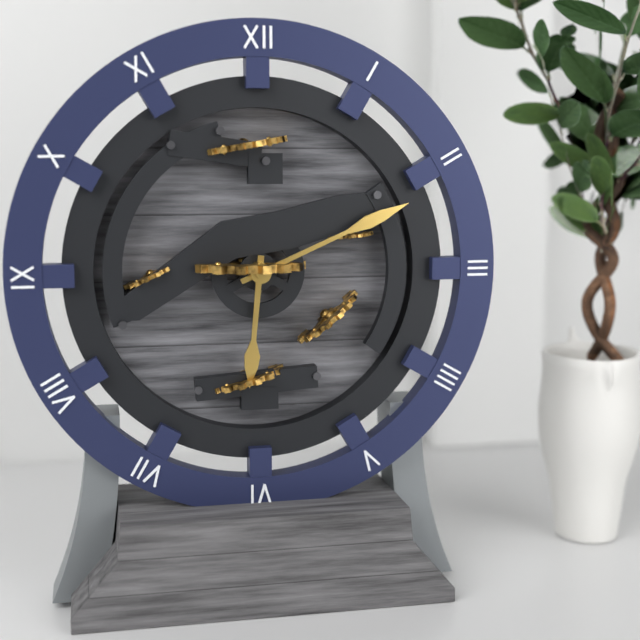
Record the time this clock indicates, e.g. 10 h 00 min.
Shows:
6 h 11 min
